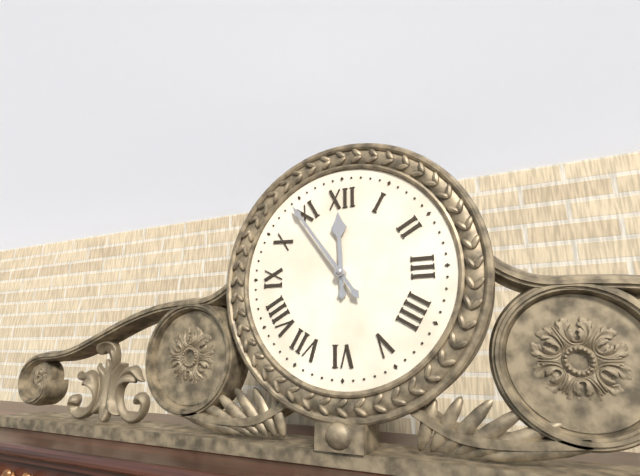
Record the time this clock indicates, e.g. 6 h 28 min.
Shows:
11 h 54 min
